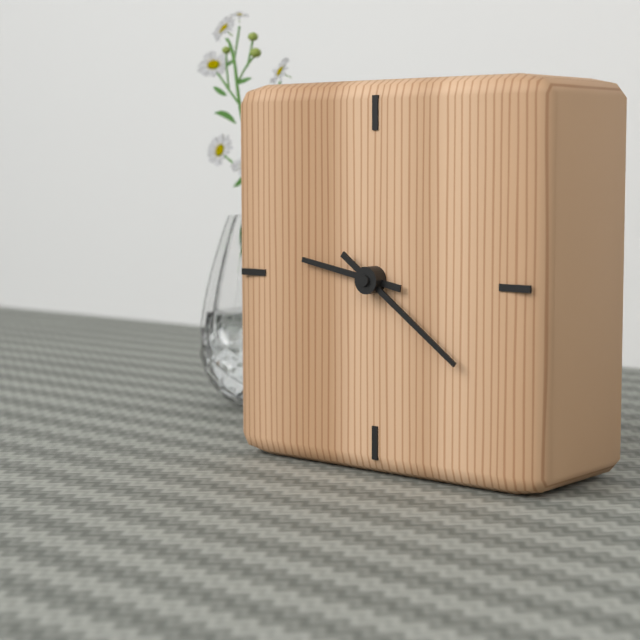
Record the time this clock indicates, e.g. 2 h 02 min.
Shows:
9 h 21 min
